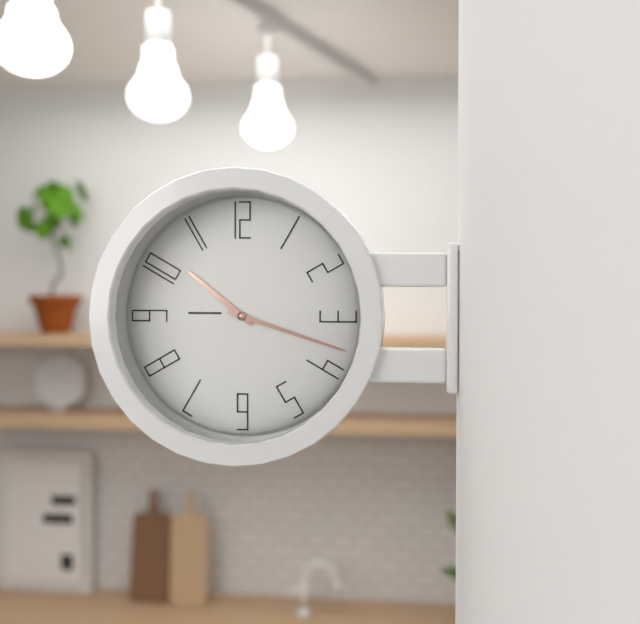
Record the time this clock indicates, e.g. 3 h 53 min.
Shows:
10 h 18 min
